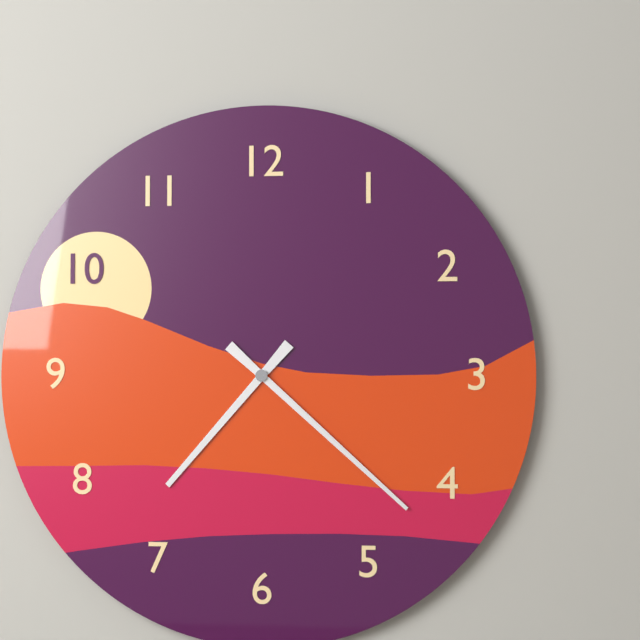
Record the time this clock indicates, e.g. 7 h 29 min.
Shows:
7 h 22 min
